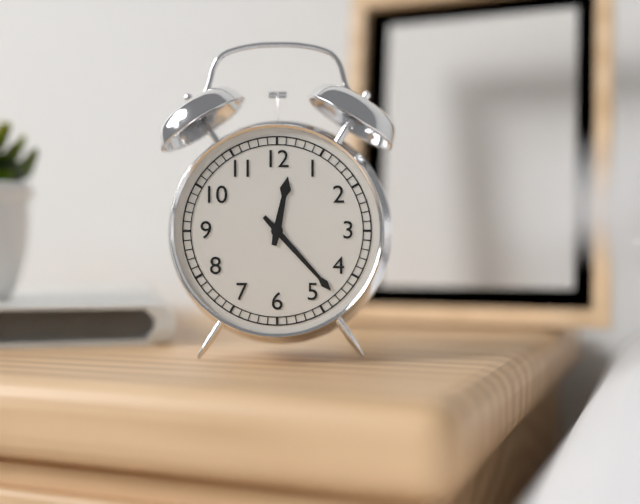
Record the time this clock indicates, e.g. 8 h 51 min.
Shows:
12 h 23 min
